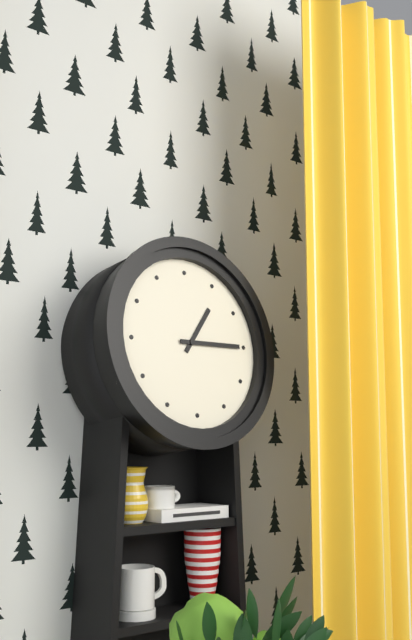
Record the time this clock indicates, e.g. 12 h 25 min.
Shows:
1 h 15 min
